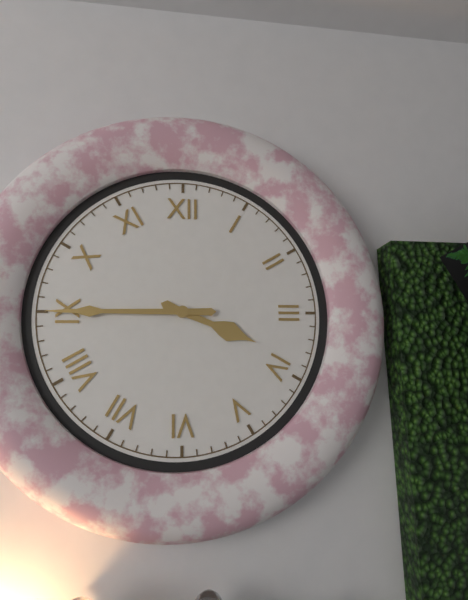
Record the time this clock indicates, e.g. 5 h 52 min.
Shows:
3 h 45 min
